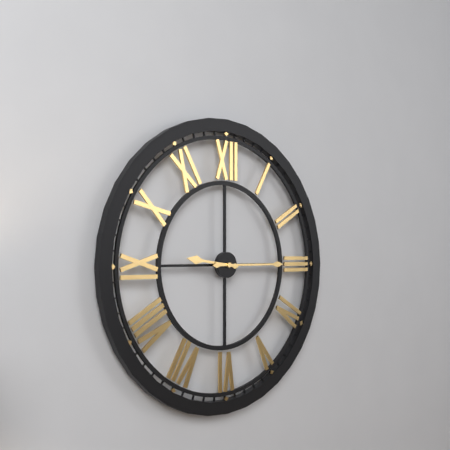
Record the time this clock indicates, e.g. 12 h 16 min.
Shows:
9 h 15 min
